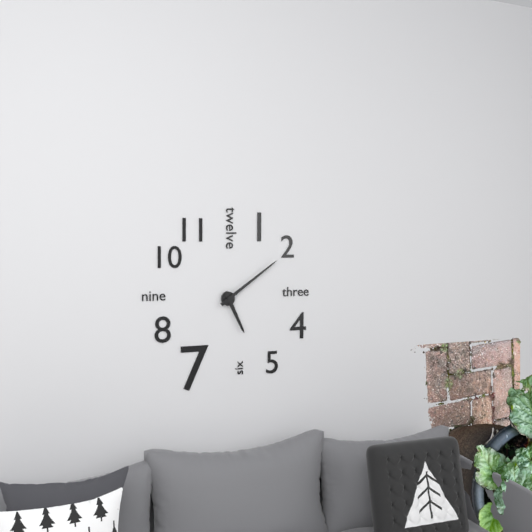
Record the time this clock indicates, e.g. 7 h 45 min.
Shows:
5 h 09 min
